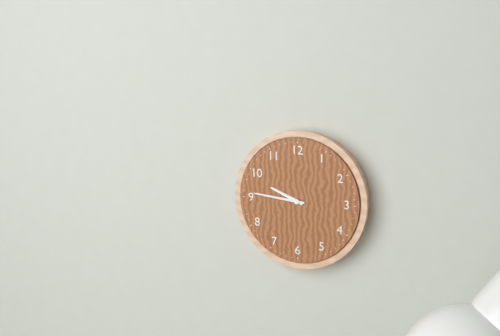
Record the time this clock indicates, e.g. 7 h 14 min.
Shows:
9 h 46 min
